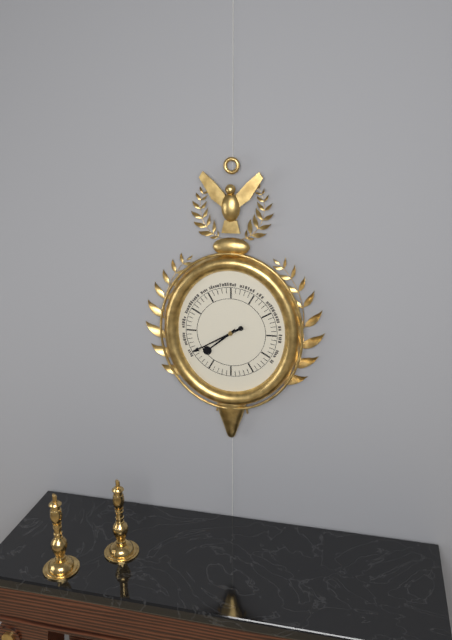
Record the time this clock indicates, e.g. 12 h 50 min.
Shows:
7 h 40 min
